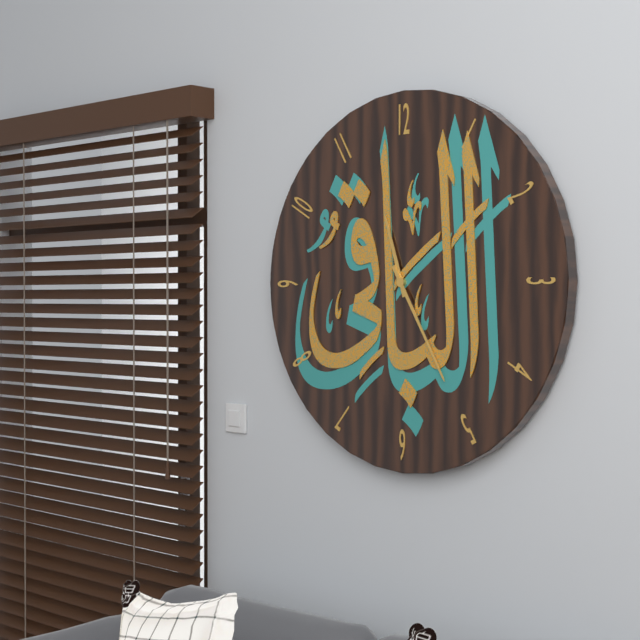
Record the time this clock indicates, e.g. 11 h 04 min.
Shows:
11 h 25 min
